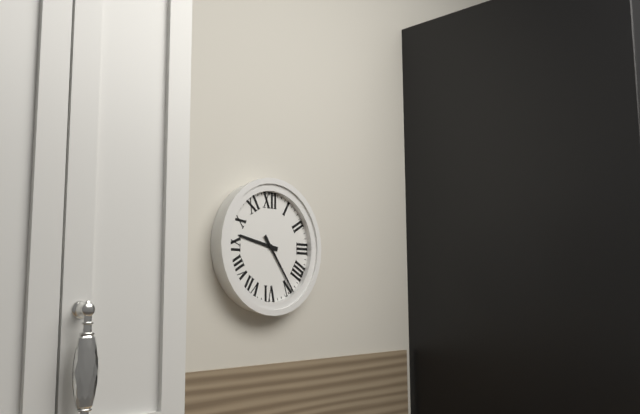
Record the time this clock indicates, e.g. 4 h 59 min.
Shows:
9 h 24 min
